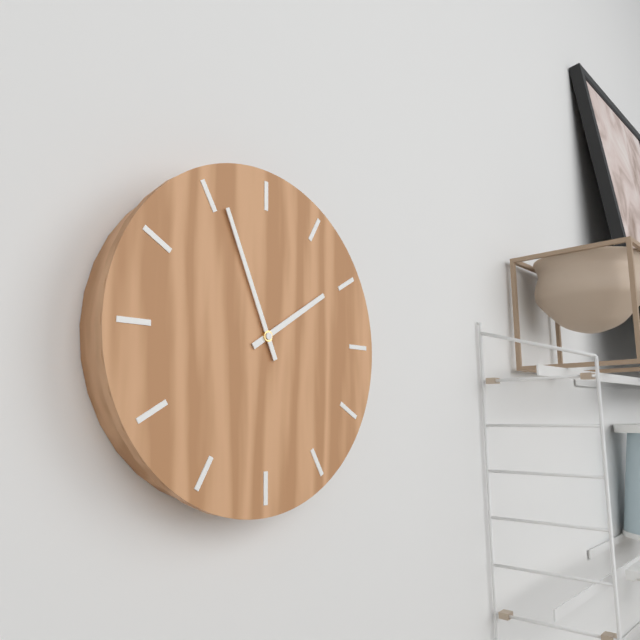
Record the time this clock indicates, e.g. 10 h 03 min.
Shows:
1 h 56 min
